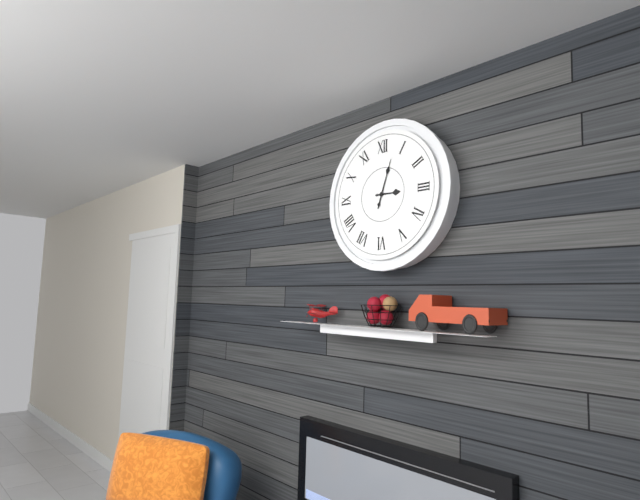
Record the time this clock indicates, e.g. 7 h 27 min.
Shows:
3 h 03 min
